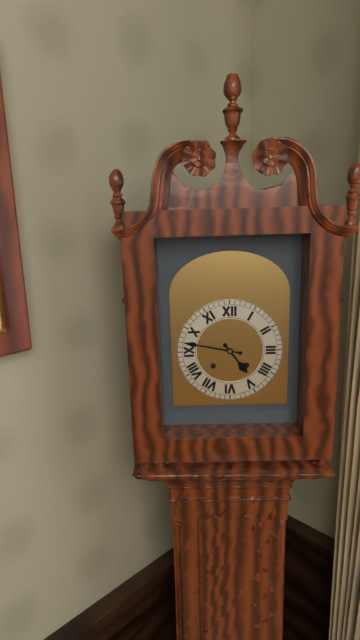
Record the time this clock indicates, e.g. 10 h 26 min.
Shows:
4 h 47 min
